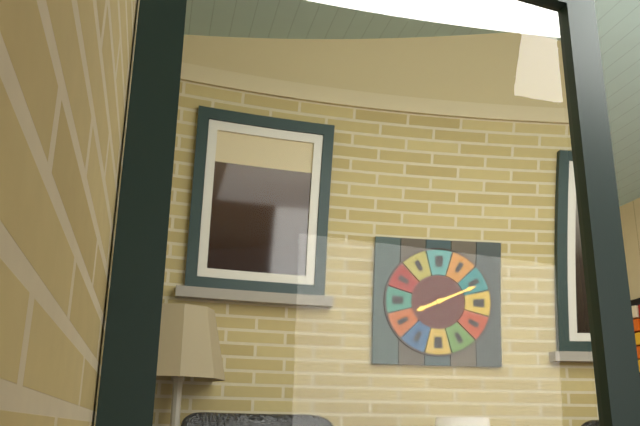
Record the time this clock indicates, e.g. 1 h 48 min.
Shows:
8 h 11 min
